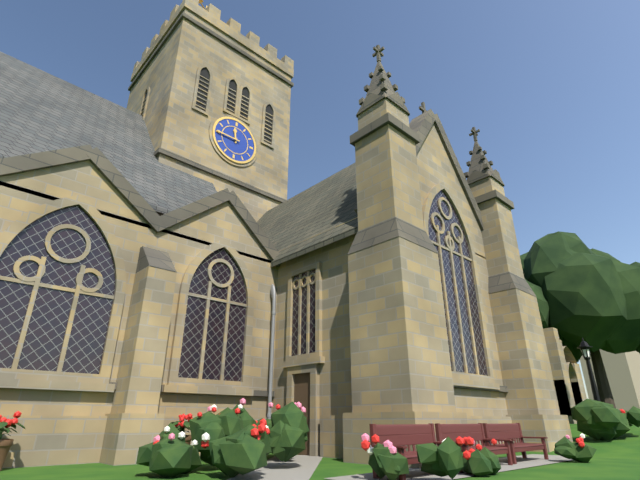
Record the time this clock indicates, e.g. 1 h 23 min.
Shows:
11 h 45 min
